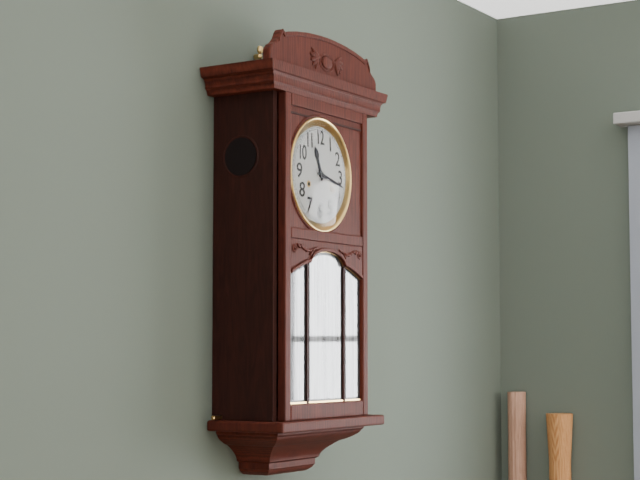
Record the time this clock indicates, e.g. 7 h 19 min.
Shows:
11 h 17 min
